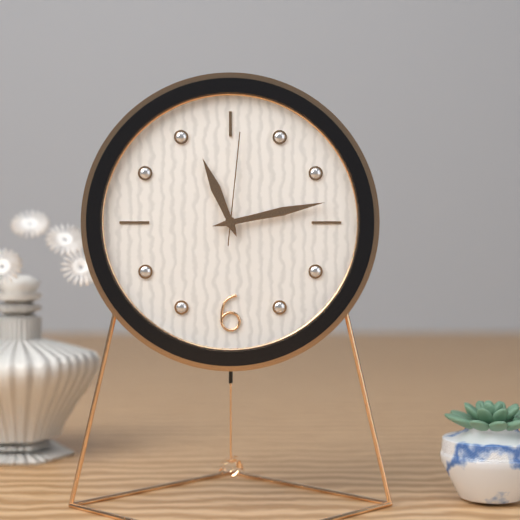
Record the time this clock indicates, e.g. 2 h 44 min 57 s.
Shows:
11 h 13 min 01 s
